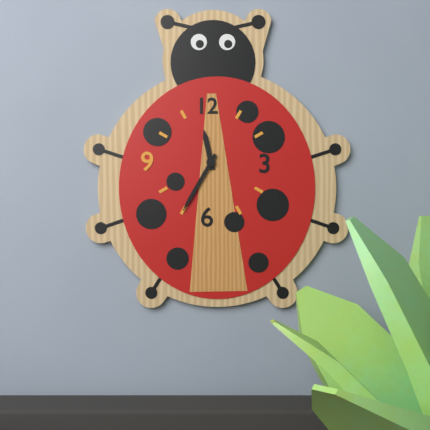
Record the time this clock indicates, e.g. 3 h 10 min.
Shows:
11 h 35 min
